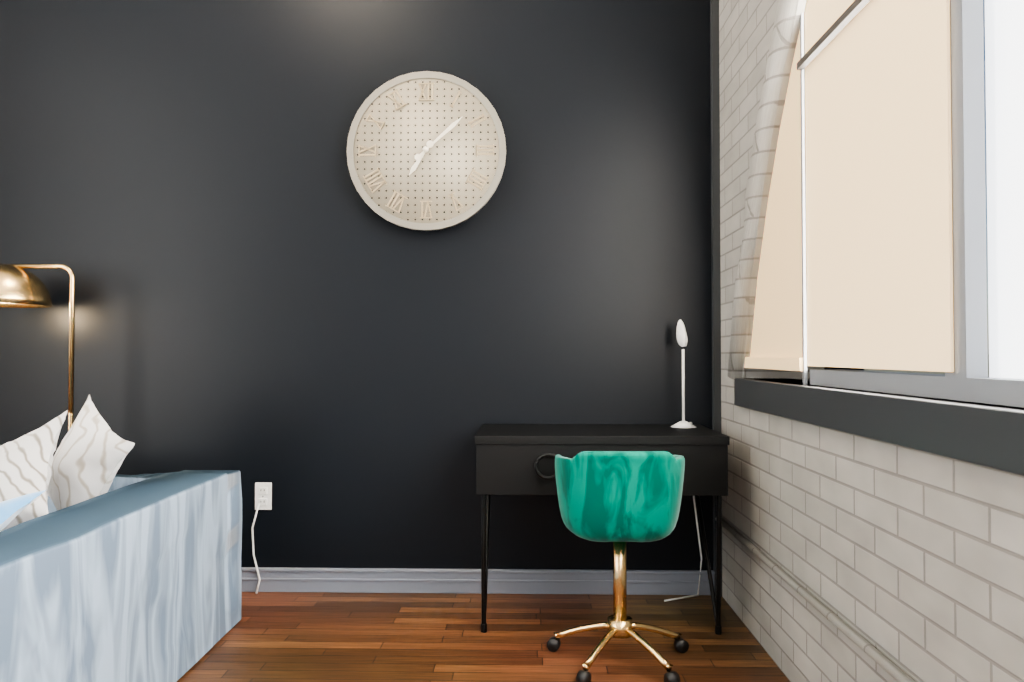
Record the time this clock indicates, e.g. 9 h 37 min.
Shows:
7 h 08 min
